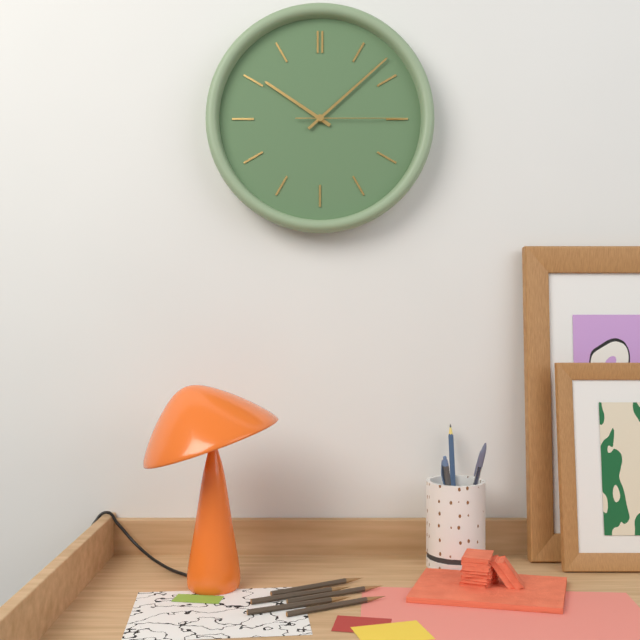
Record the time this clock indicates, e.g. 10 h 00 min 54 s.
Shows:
10 h 08 min 15 s
